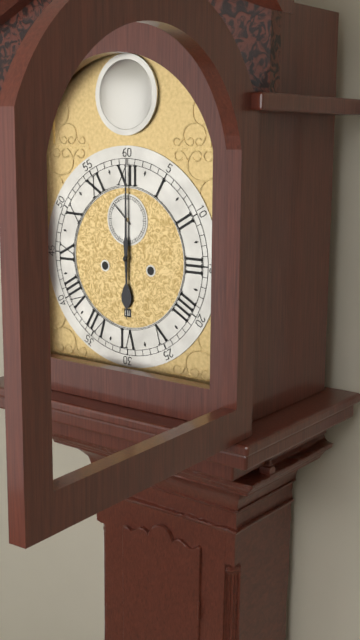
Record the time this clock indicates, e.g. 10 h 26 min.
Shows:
6 h 00 min
